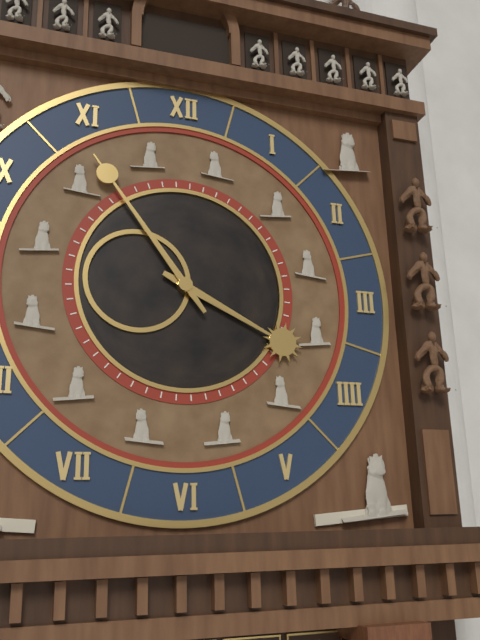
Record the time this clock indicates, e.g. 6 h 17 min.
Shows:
3 h 54 min
